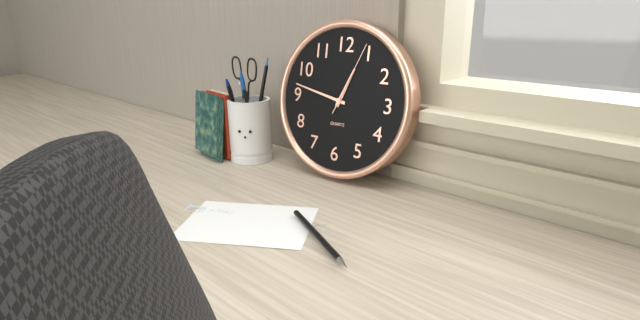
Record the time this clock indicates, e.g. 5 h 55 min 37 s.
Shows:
12 h 47 min 04 s
